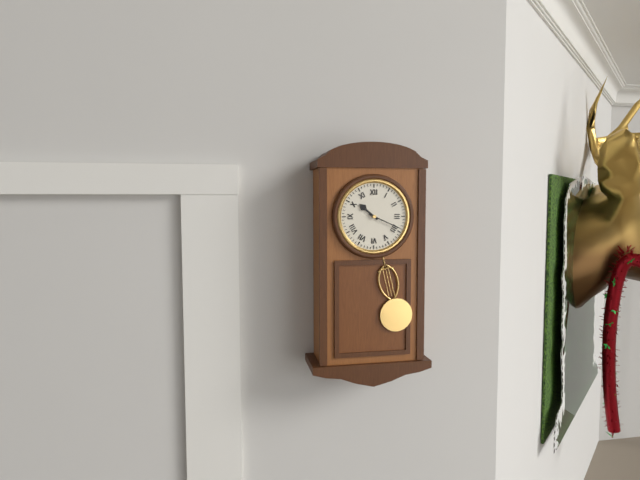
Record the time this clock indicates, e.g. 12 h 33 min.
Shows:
10 h 19 min
